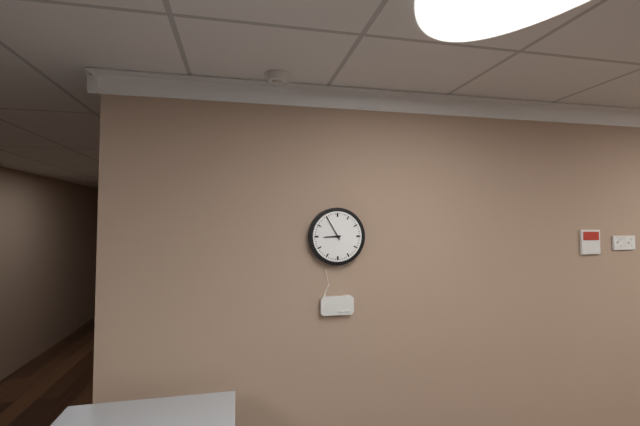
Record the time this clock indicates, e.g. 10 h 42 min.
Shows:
8 h 55 min
